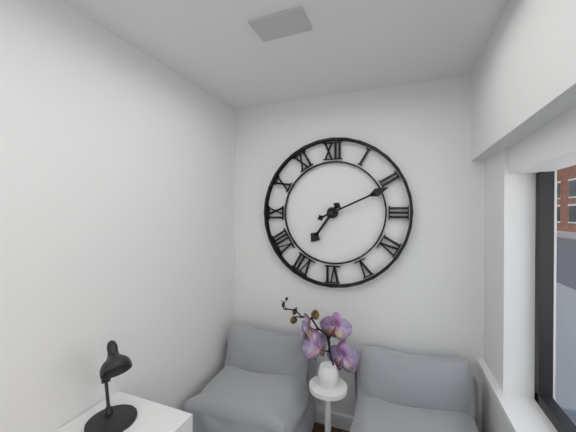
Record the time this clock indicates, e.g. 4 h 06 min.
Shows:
7 h 11 min
